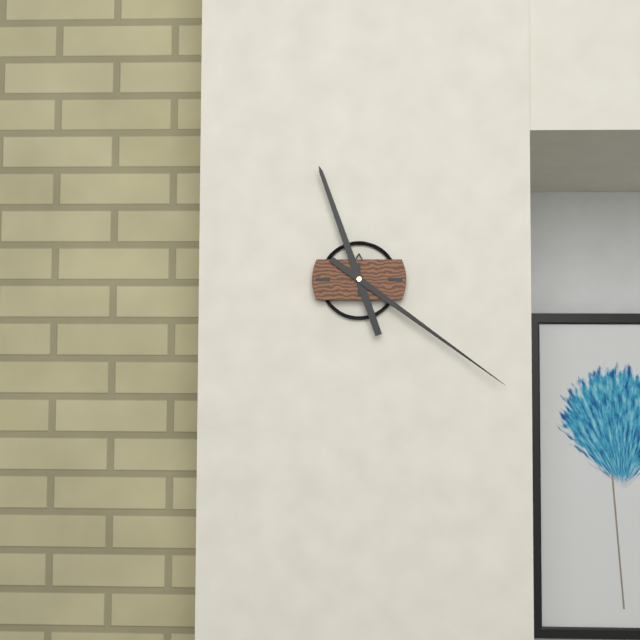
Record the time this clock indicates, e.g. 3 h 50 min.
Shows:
11 h 21 min
